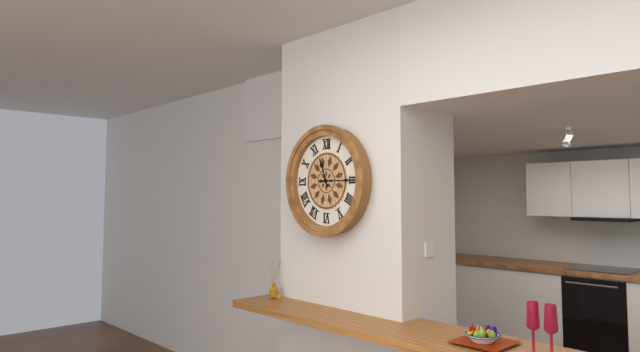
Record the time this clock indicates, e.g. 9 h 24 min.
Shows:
11 h 15 min
